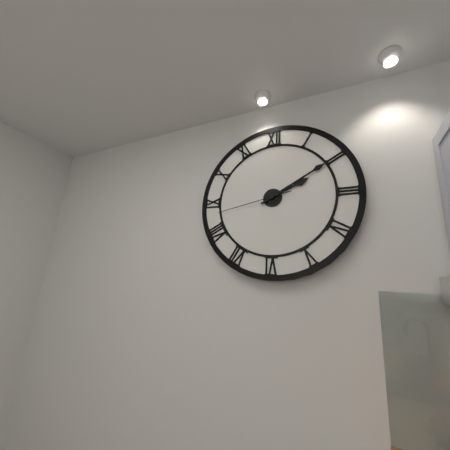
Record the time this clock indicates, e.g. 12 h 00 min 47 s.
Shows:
2 h 10 min 43 s
